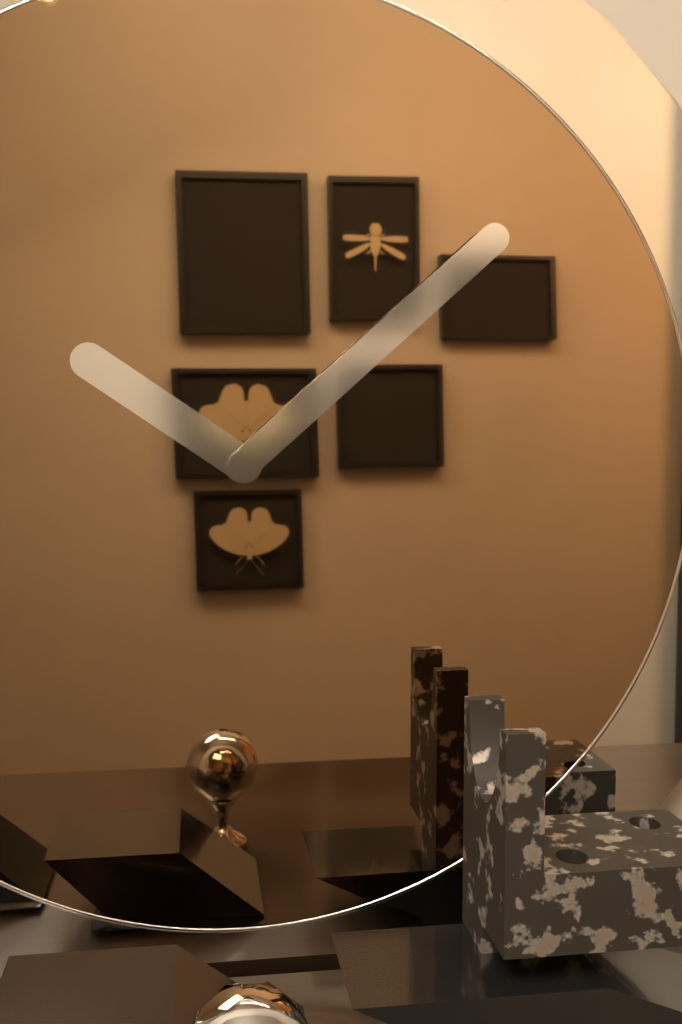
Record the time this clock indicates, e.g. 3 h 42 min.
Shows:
10 h 08 min
